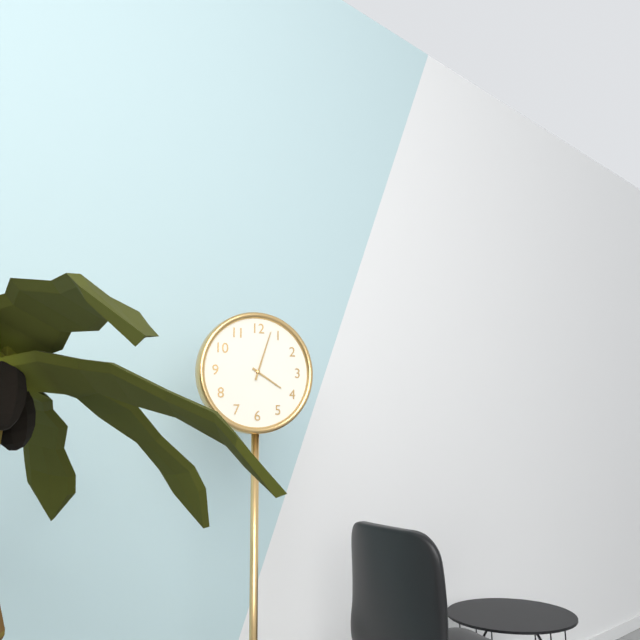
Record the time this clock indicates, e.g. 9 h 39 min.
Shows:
4 h 03 min
